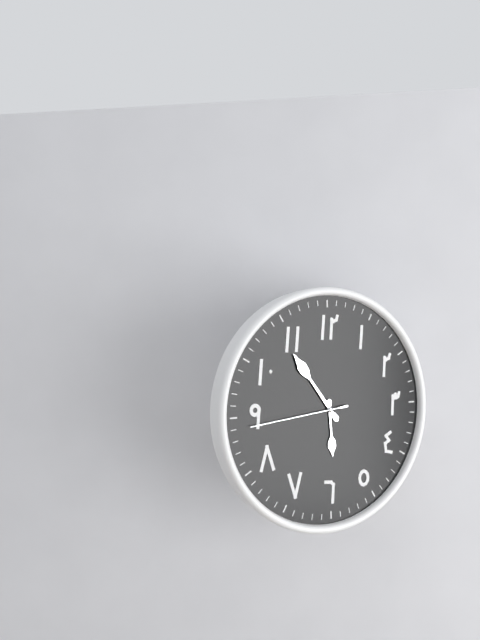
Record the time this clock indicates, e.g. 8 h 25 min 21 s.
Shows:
5 h 54 min 44 s
